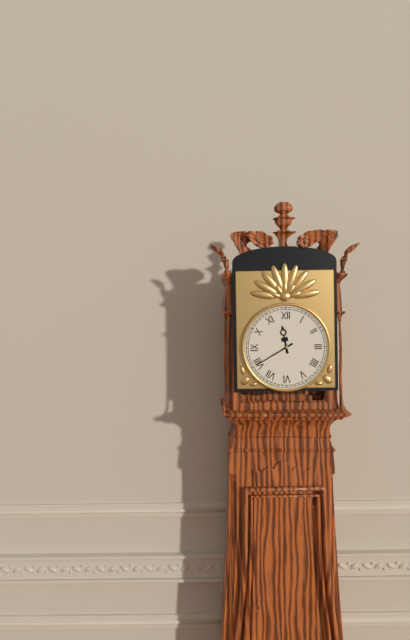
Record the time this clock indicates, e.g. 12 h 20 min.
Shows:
11 h 40 min
